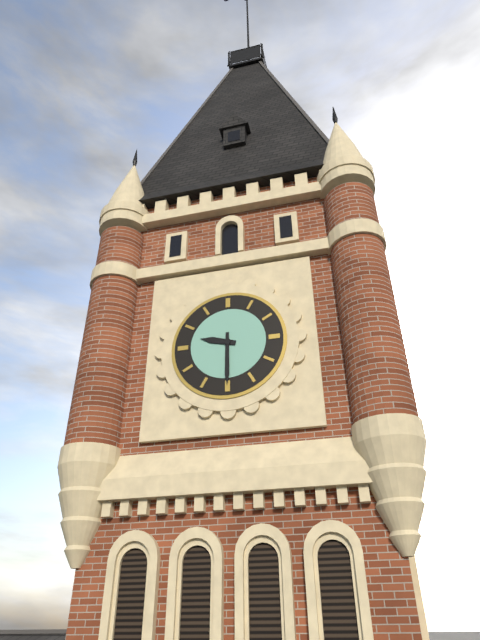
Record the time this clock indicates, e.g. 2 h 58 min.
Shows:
9 h 30 min
